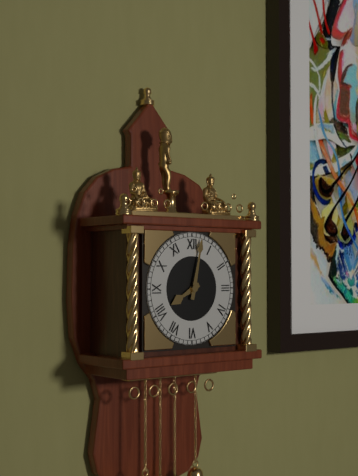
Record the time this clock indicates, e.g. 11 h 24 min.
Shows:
8 h 02 min
